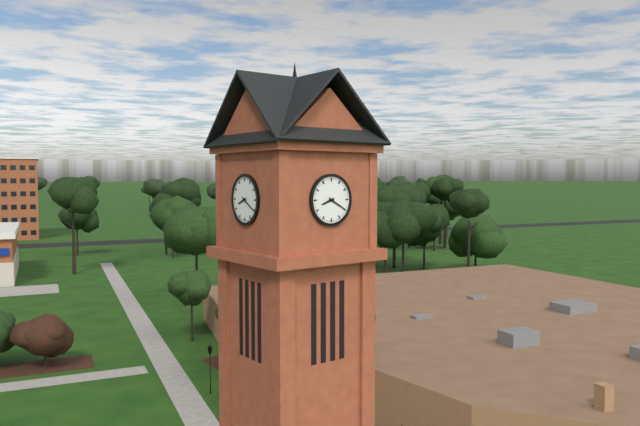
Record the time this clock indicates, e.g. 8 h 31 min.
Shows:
8 h 20 min
